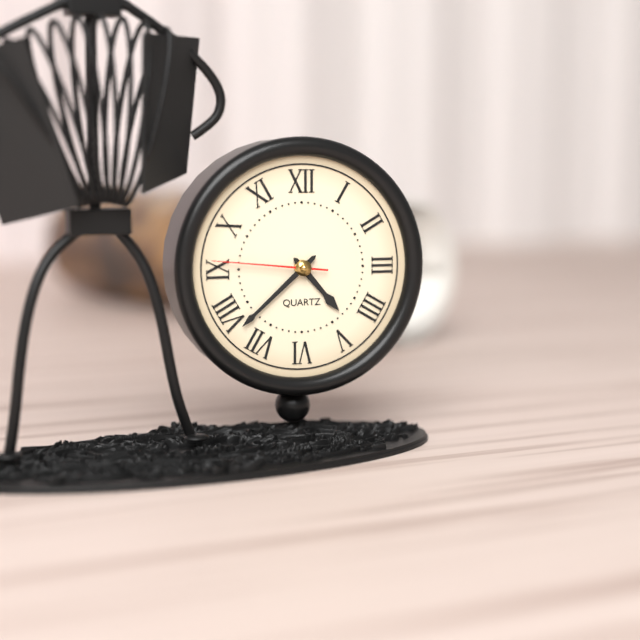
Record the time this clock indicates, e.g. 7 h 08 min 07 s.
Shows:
4 h 38 min 46 s
